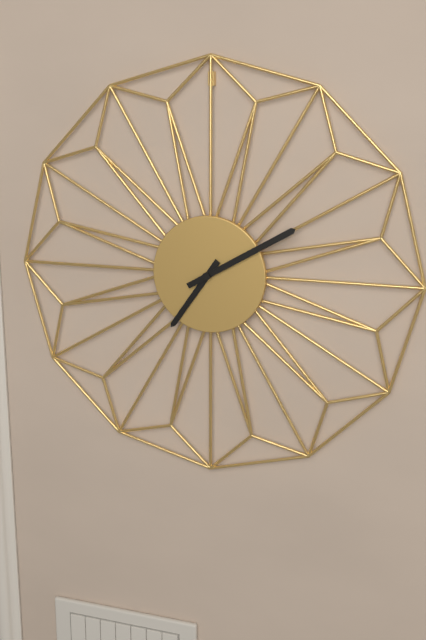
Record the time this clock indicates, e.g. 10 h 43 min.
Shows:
7 h 10 min
